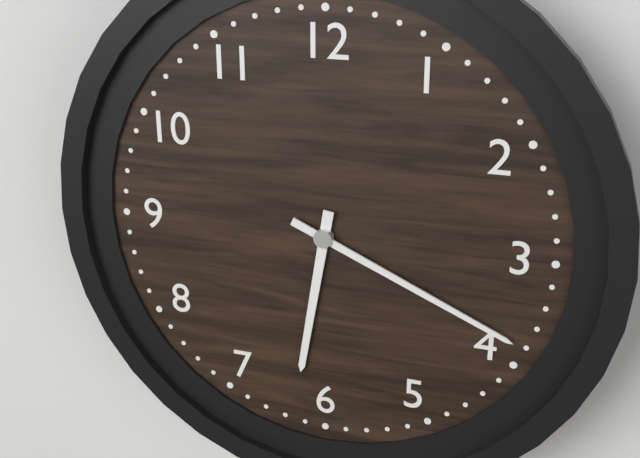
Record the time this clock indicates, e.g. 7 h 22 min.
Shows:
6 h 19 min
